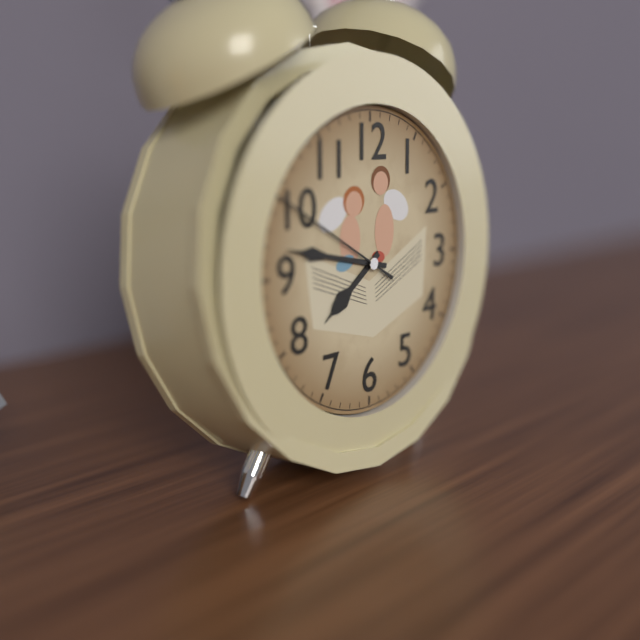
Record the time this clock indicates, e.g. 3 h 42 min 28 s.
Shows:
7 h 47 min 50 s
